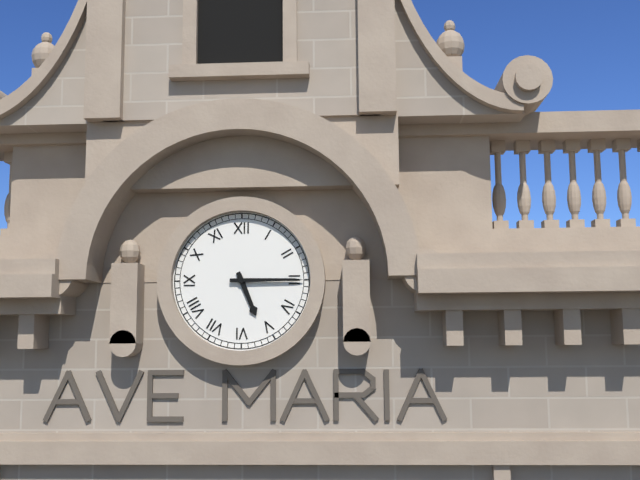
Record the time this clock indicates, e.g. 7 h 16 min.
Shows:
5 h 15 min
